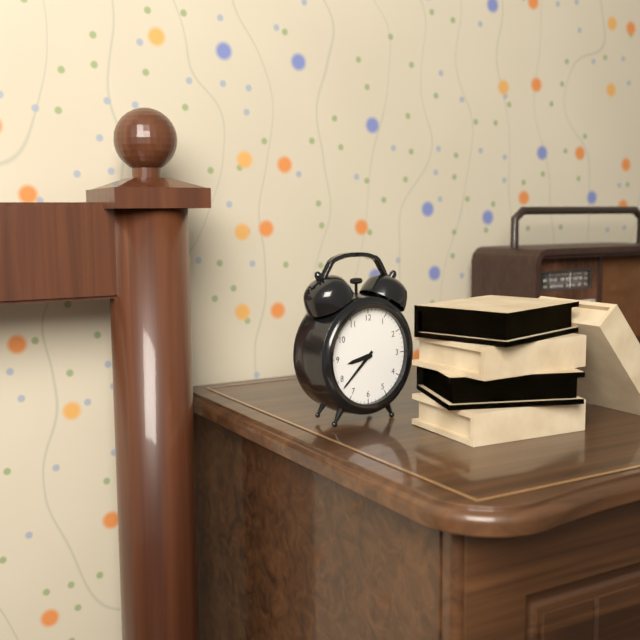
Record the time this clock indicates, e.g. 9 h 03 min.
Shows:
8 h 38 min
